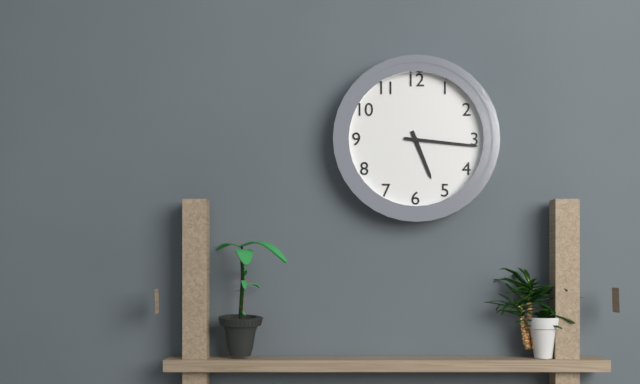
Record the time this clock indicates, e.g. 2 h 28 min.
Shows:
5 h 16 min
